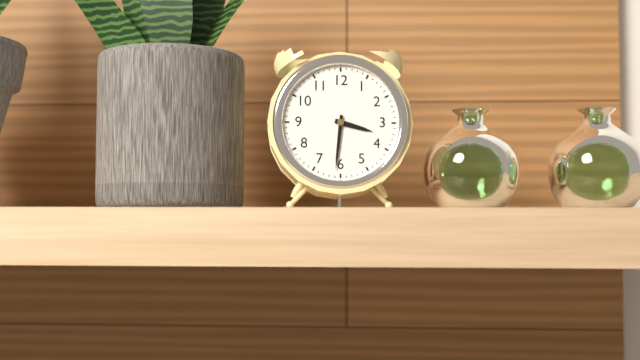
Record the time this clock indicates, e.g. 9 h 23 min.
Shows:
3 h 31 min
